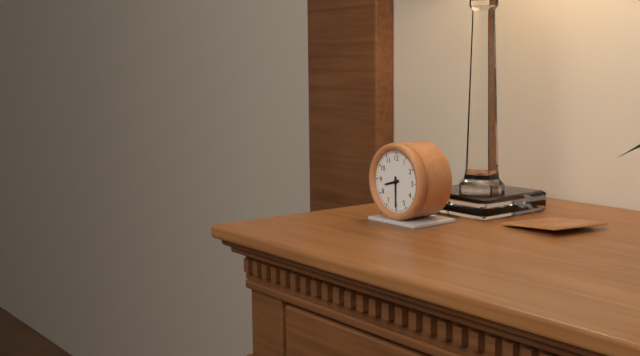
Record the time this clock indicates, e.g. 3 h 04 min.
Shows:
8 h 30 min
